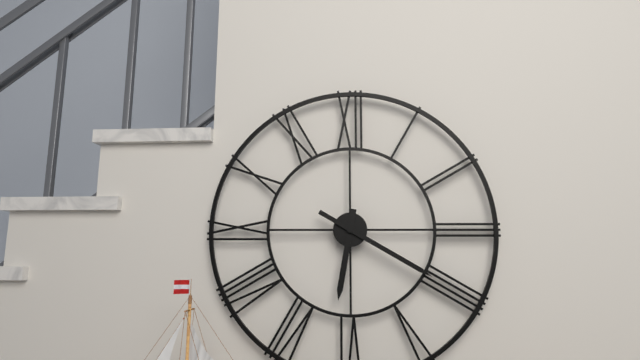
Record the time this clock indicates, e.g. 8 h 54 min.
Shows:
6 h 20 min
